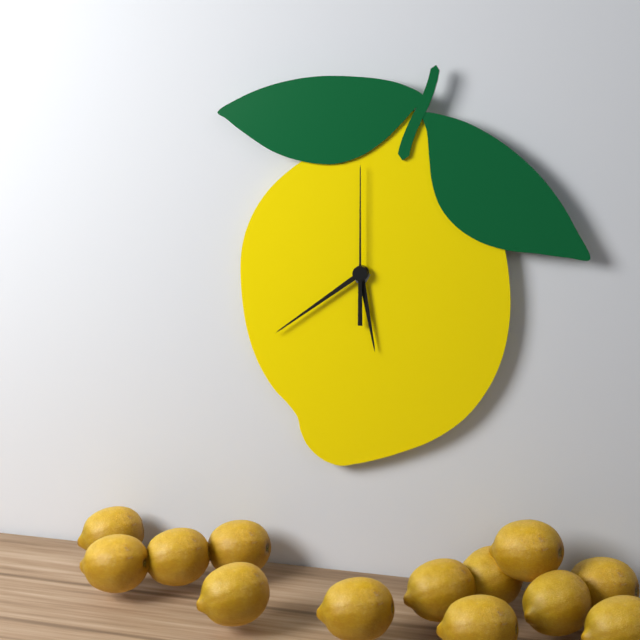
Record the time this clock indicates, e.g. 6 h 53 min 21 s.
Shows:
5 h 39 min 00 s
